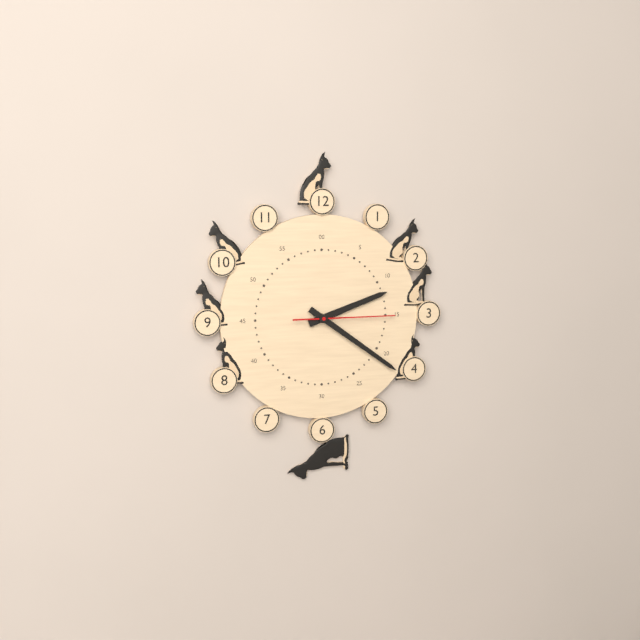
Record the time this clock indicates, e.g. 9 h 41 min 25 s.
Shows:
2 h 21 min 15 s
